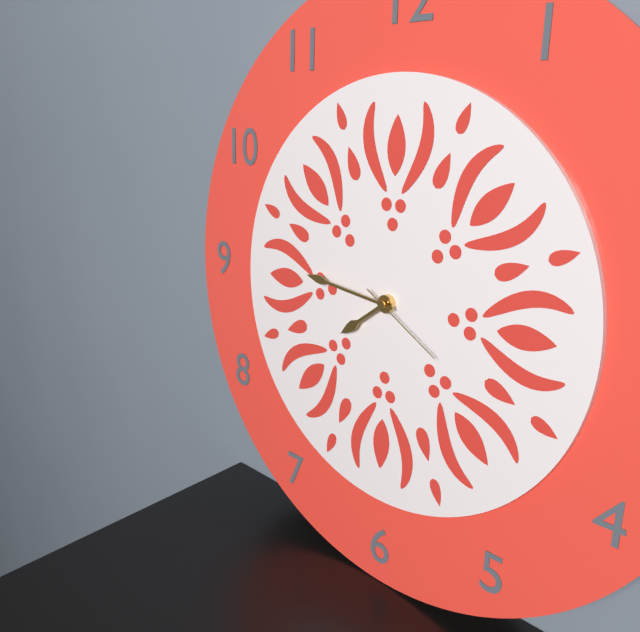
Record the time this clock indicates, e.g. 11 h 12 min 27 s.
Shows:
7 h 46 min 20 s
